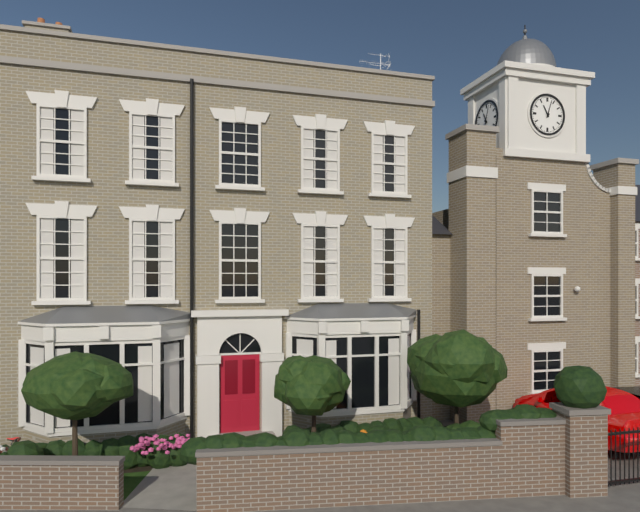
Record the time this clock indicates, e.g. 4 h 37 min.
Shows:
11 h 03 min
